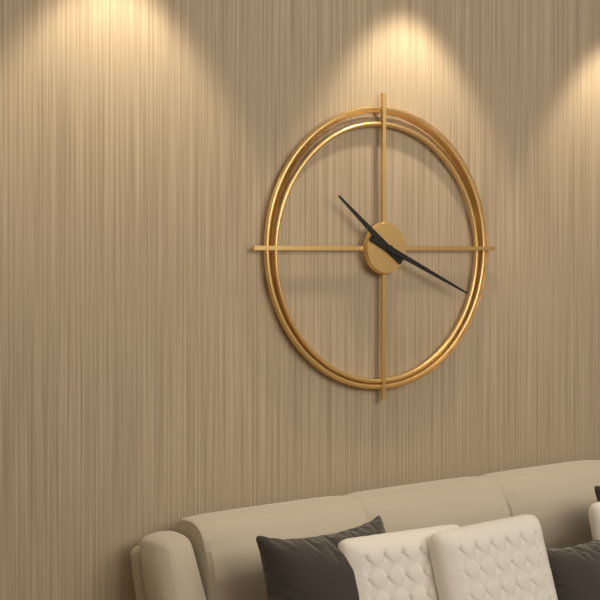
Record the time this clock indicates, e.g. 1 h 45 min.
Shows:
10 h 19 min
